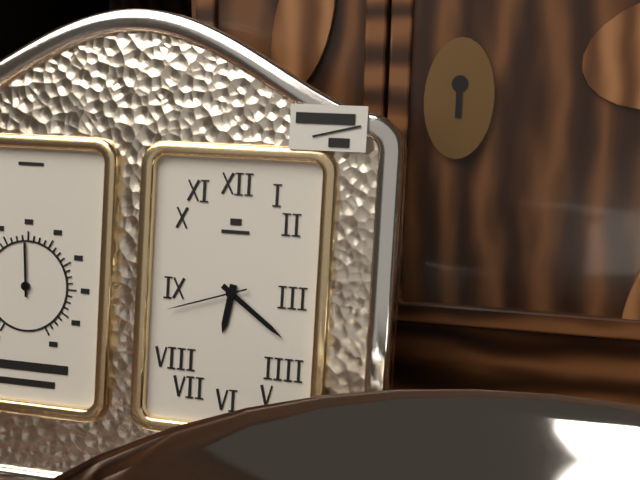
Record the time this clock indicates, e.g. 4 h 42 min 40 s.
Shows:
6 h 21 min 42 s
